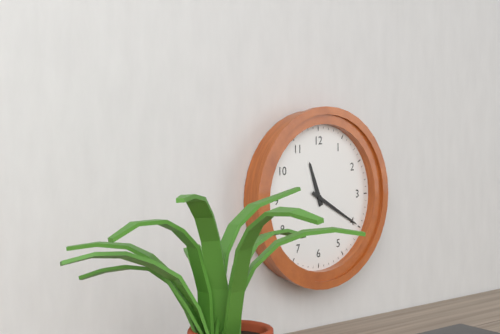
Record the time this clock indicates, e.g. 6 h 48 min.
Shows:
11 h 20 min
